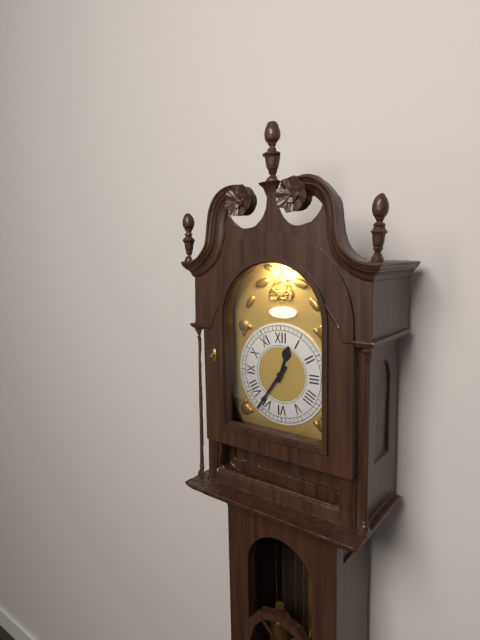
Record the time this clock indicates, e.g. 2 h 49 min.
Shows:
12 h 36 min
